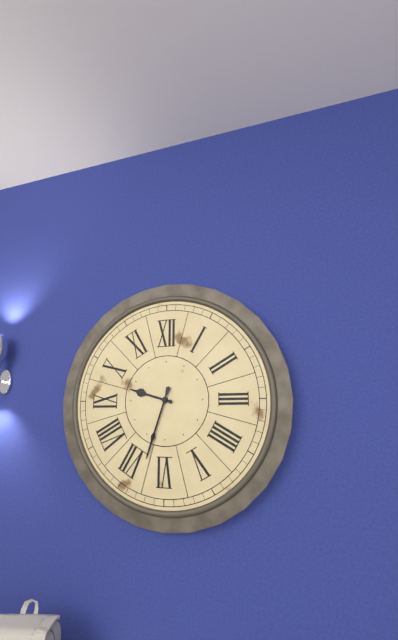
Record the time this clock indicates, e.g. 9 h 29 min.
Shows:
9 h 33 min
